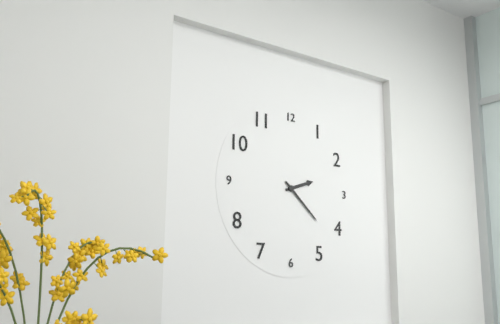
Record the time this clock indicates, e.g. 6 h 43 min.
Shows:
2 h 22 min
